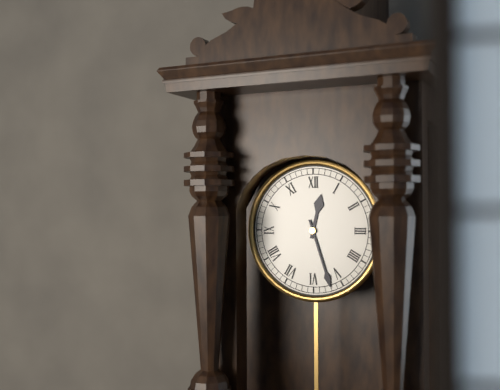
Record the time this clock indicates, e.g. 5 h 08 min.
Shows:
12 h 27 min
